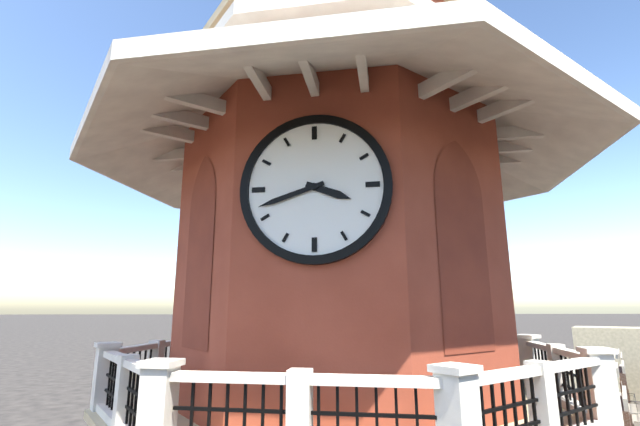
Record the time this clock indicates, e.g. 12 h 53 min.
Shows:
3 h 42 min
